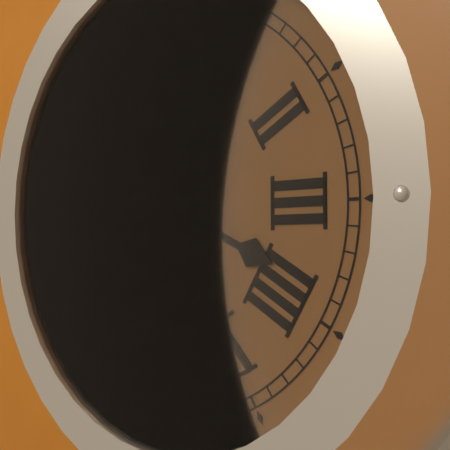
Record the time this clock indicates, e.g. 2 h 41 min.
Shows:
3 h 46 min
